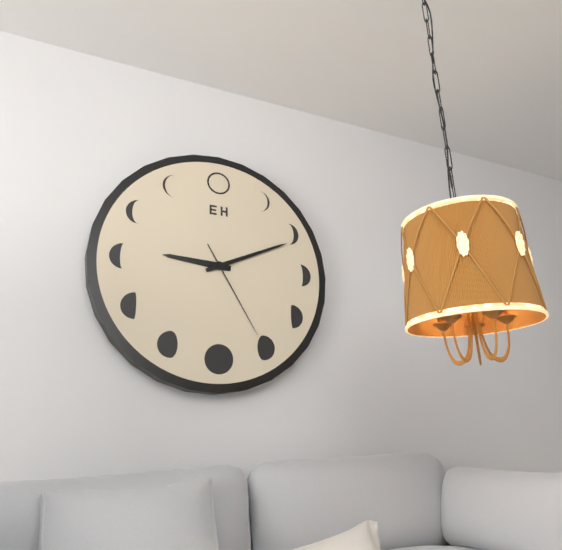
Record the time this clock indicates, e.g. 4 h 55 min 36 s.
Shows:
9 h 11 min 25 s
